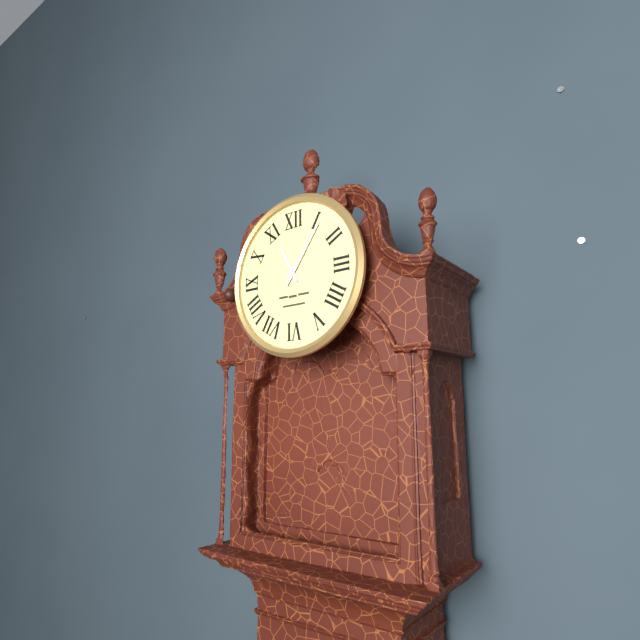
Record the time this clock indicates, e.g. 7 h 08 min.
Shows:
11 h 06 min
